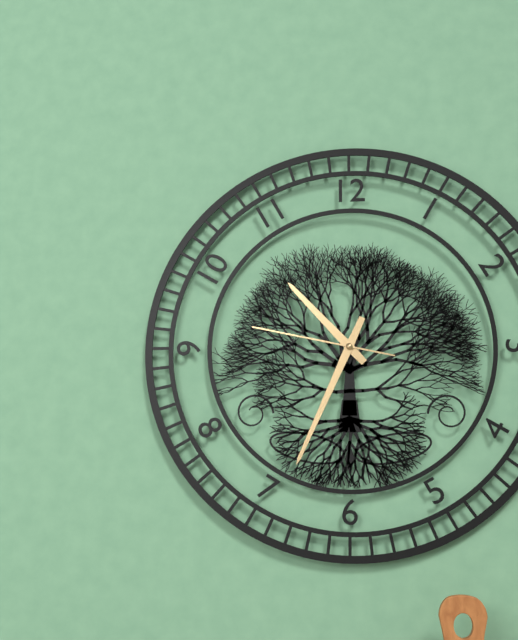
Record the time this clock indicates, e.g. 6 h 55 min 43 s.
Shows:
10 h 34 min 47 s
